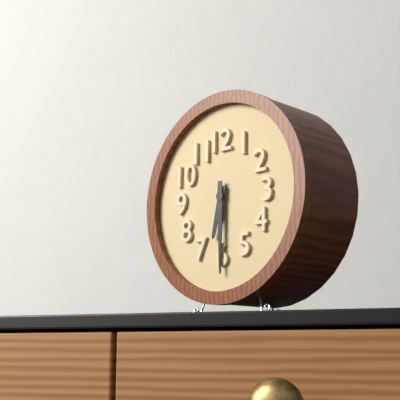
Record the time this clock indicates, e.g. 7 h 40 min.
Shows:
6 h 30 min
